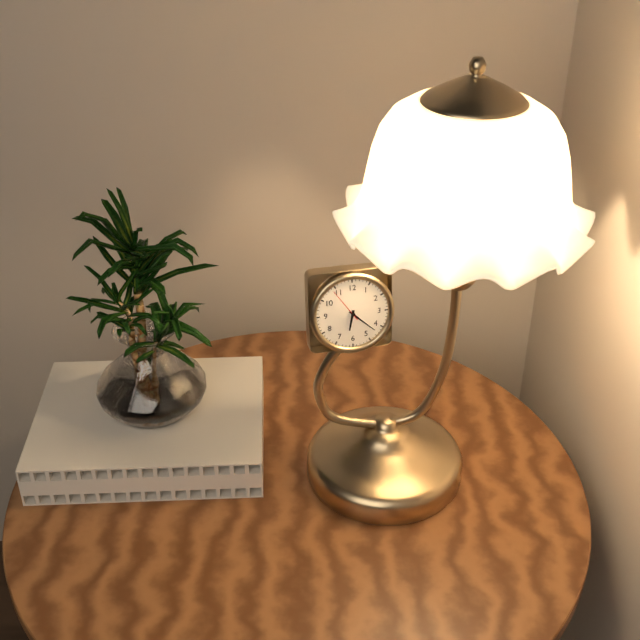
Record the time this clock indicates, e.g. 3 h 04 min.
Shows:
6 h 22 min
